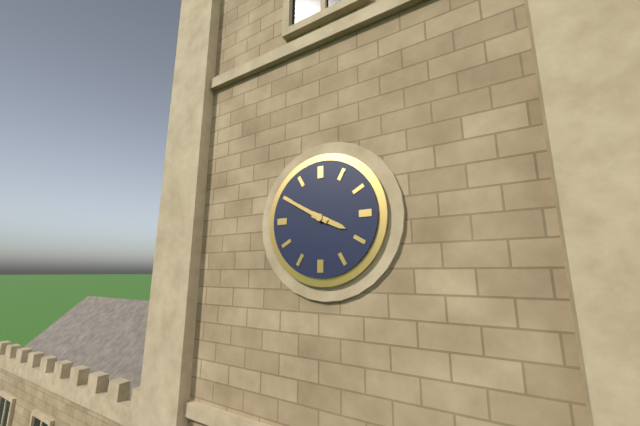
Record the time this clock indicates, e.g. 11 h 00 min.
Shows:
3 h 50 min
